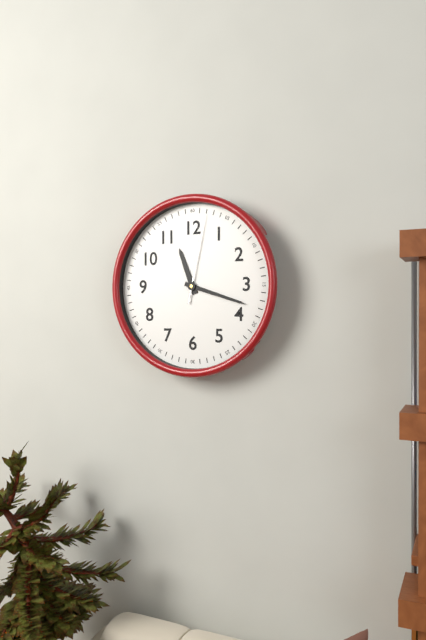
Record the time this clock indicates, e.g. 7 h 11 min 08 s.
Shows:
11 h 18 min 02 s
